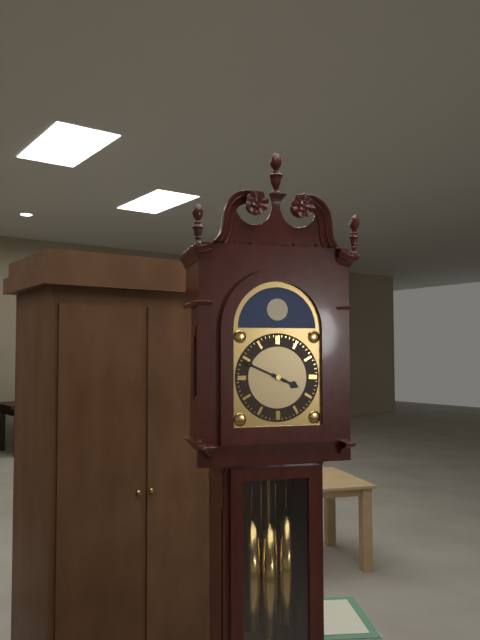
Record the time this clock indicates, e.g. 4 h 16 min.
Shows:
3 h 49 min
